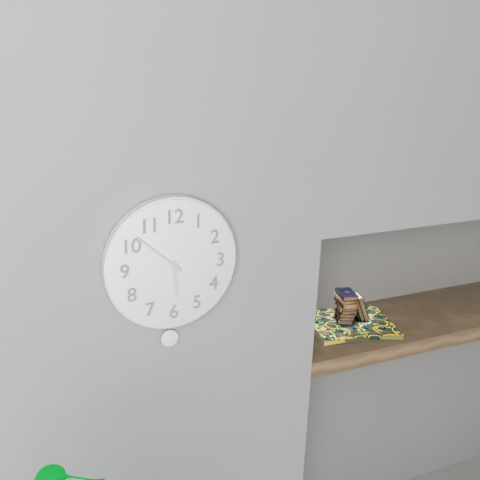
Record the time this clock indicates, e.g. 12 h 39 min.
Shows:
5 h 52 min
